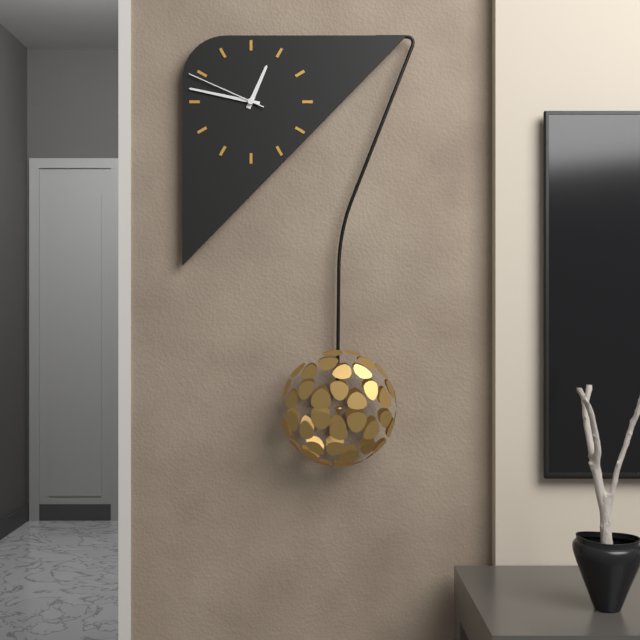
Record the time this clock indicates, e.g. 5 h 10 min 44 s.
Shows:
12 h 47 min 49 s
